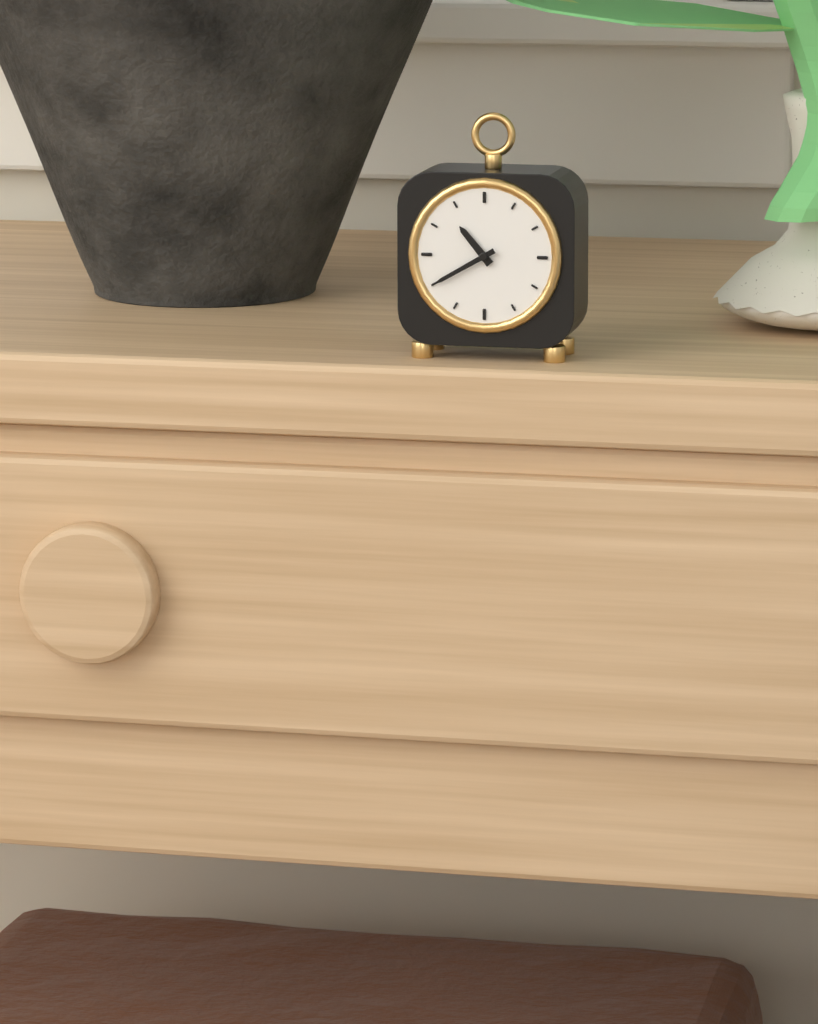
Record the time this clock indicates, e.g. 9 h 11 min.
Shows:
10 h 40 min
